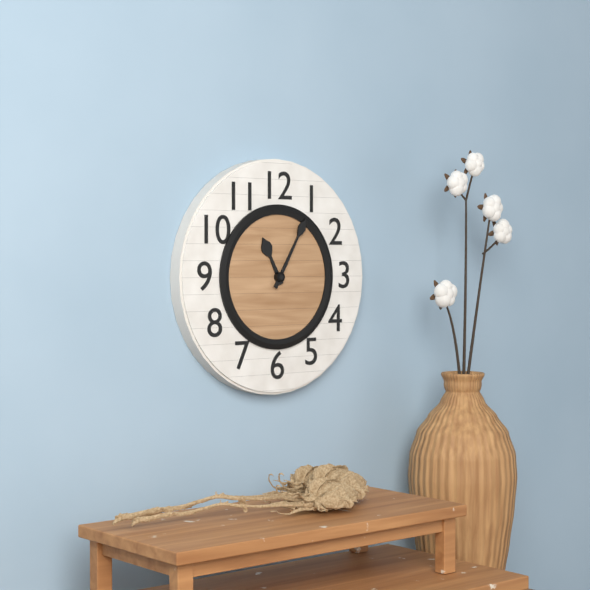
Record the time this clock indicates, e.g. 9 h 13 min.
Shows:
11 h 05 min
